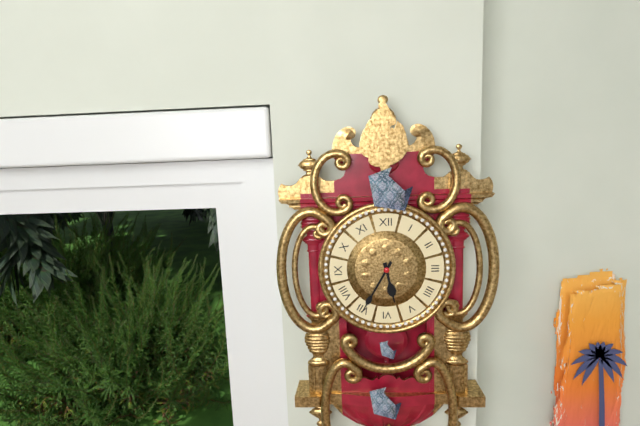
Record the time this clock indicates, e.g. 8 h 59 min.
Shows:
5 h 35 min
